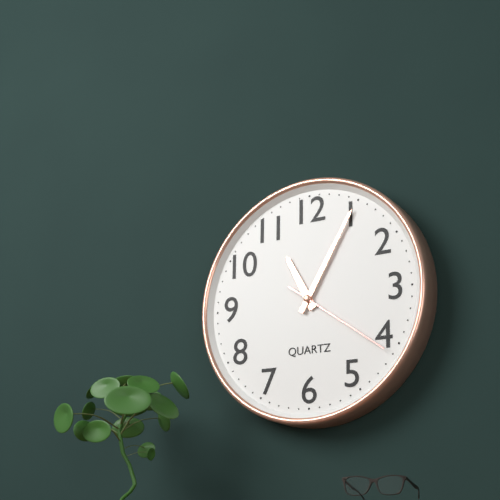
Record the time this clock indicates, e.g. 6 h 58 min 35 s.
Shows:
11 h 05 min 21 s
